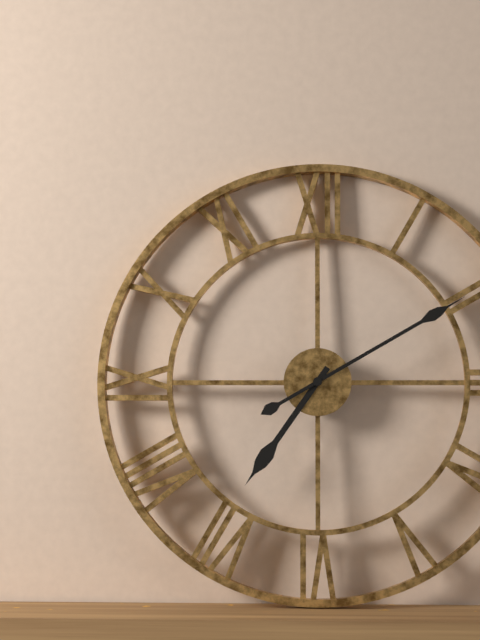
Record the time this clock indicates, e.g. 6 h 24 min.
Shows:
7 h 10 min
